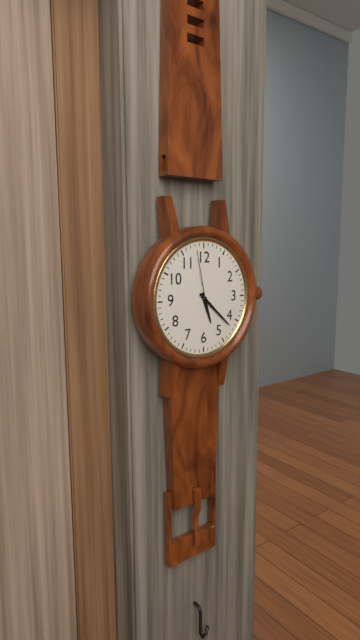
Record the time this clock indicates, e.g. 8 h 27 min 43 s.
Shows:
5 h 22 min 58 s
